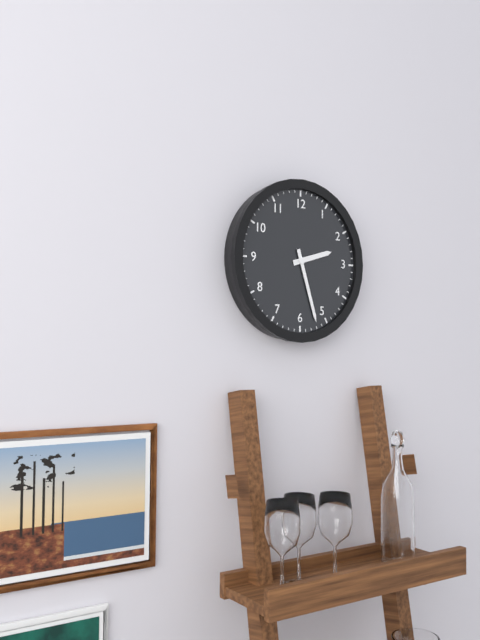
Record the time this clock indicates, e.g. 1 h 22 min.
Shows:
2 h 27 min
